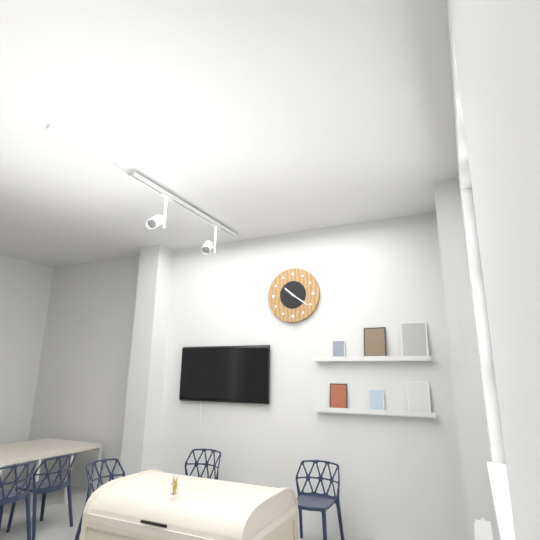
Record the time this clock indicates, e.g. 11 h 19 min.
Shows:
10 h 21 min
